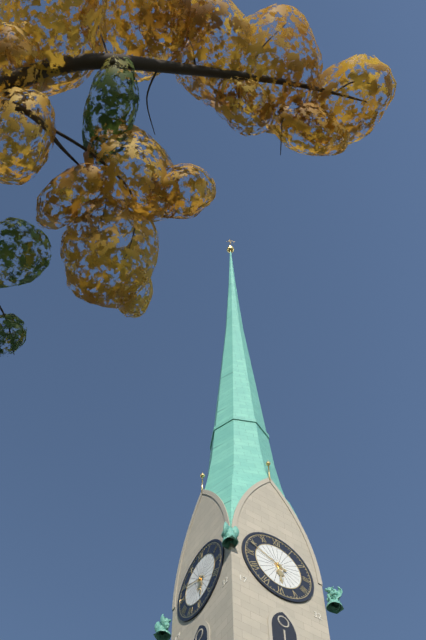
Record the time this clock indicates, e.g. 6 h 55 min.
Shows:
5 h 49 min
